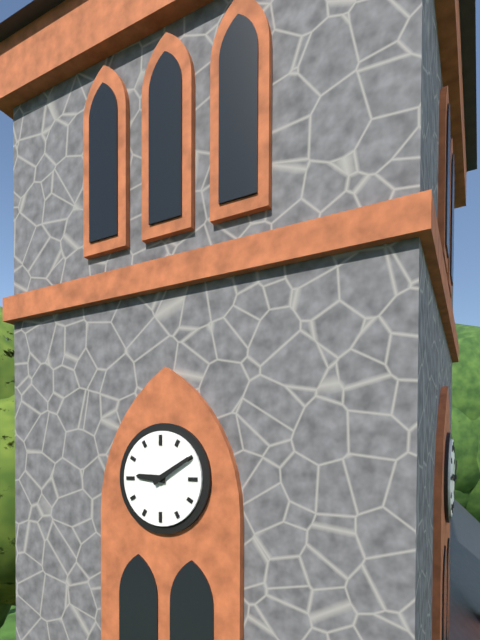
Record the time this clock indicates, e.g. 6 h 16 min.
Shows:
9 h 10 min
